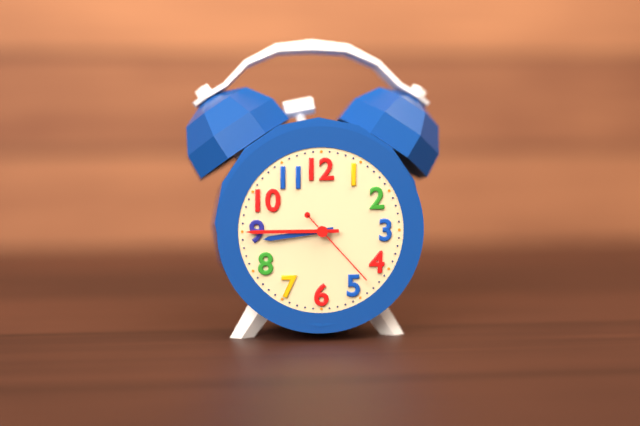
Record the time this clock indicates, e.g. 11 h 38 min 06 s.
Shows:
8 h 45 min 23 s
